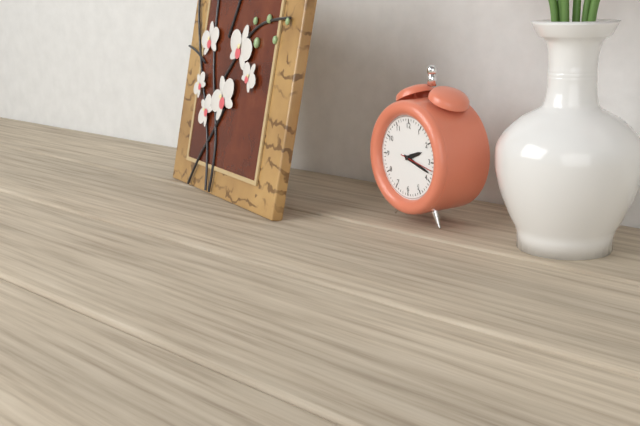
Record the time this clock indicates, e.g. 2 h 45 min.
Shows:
2 h 18 min
